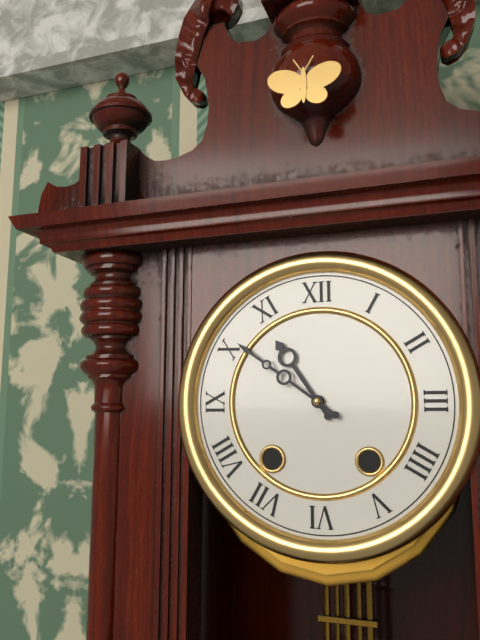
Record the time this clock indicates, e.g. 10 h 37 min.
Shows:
10 h 51 min
